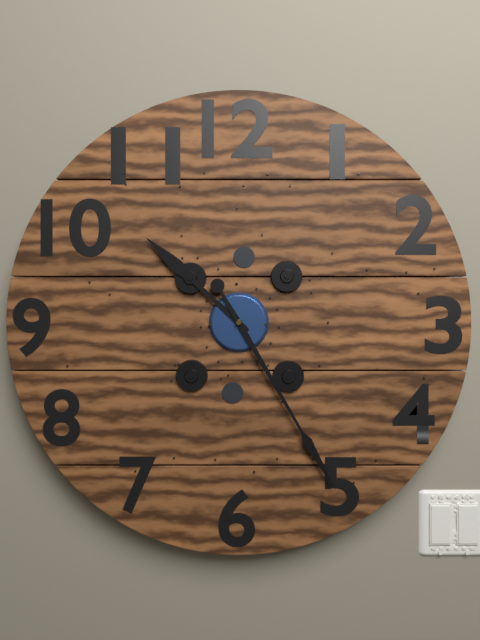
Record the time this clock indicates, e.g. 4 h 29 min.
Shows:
10 h 25 min
